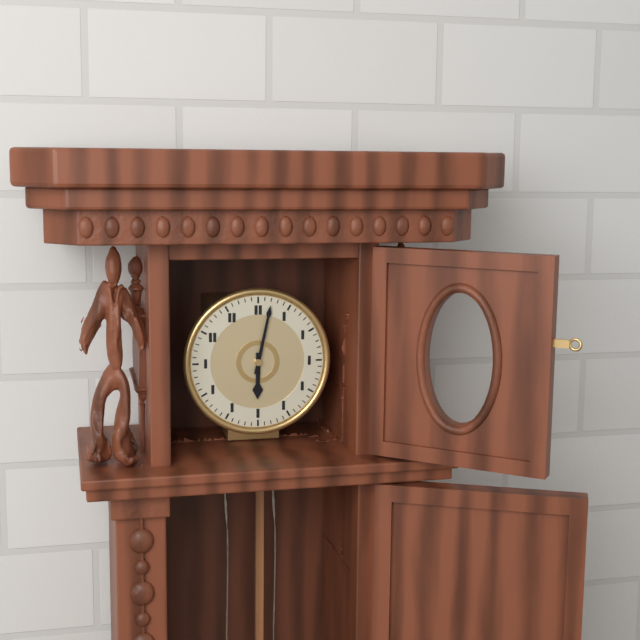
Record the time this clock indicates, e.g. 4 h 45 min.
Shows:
6 h 02 min
